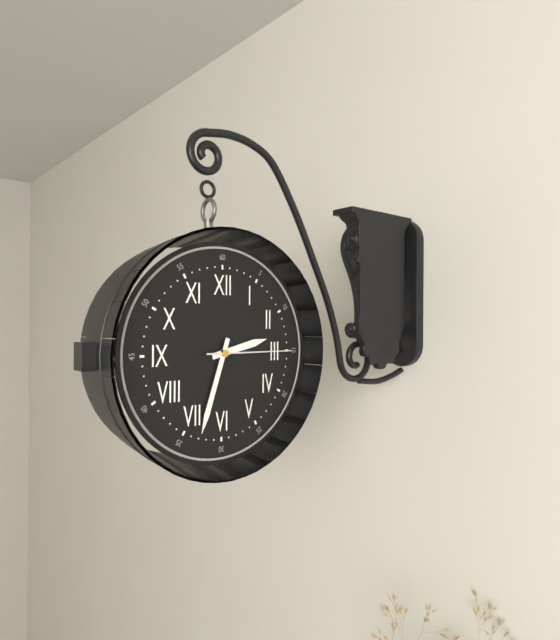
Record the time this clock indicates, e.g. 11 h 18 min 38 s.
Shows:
2 h 33 min 15 s
